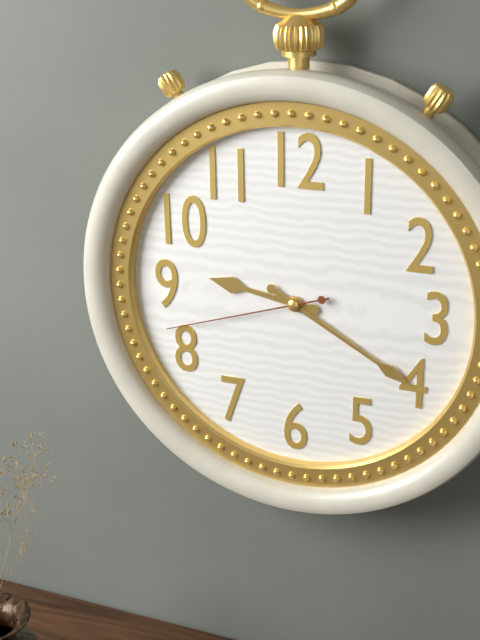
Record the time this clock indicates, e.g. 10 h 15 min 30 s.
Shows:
9 h 20 min 42 s
